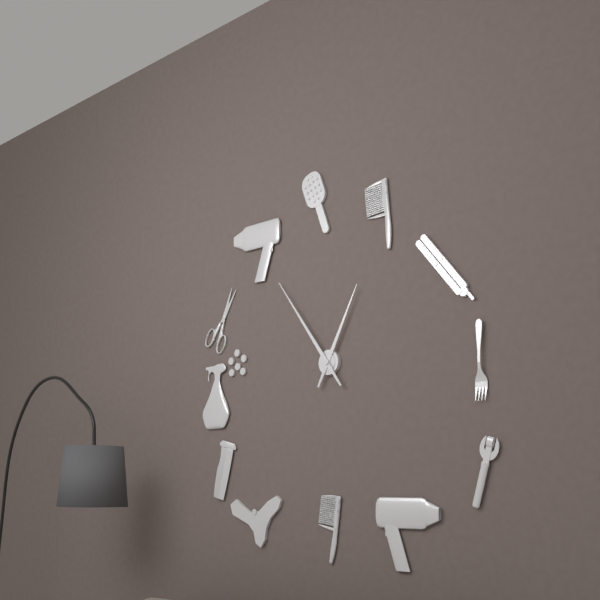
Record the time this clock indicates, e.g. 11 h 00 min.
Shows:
12 h 54 min
